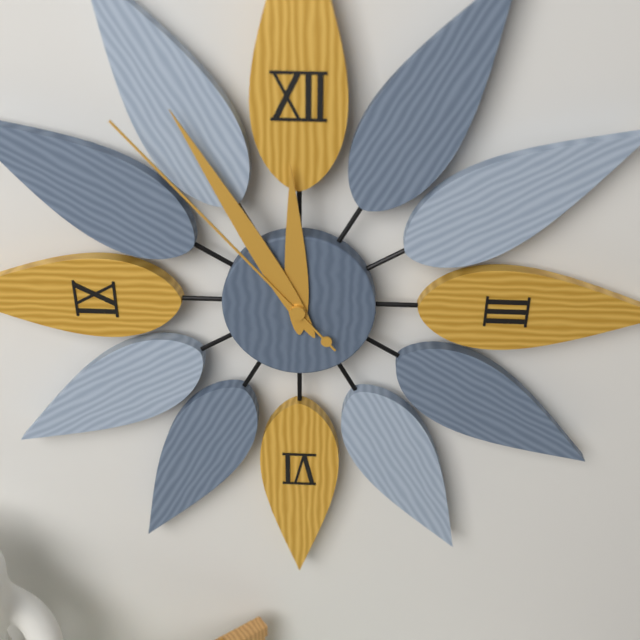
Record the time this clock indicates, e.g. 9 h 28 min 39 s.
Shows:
11 h 55 min 53 s
